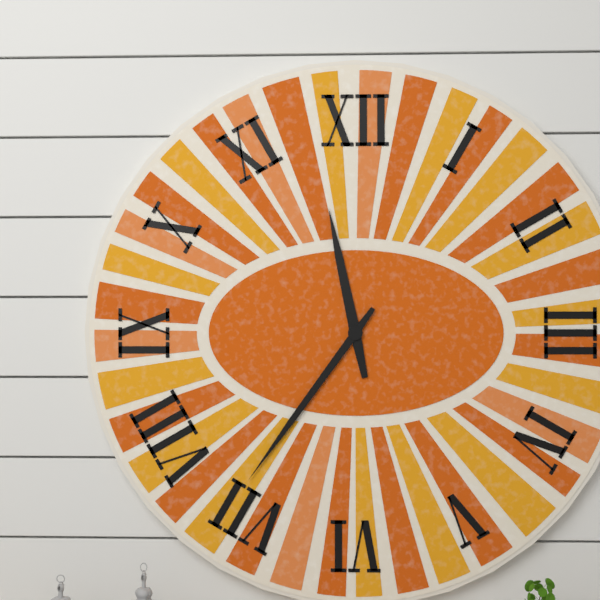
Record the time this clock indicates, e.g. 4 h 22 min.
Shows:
11 h 36 min
